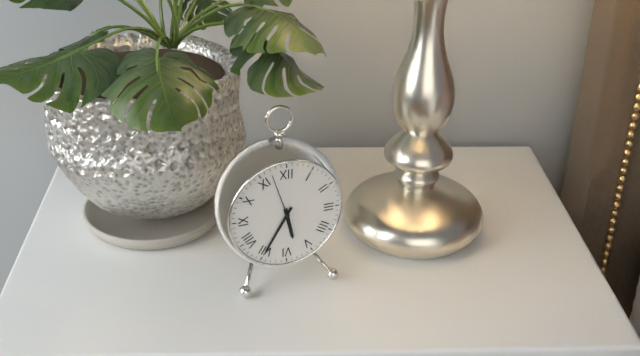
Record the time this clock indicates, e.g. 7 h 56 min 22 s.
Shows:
5 h 35 min 57 s
